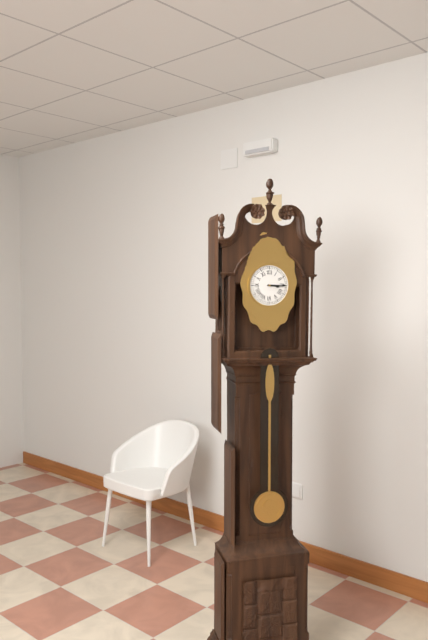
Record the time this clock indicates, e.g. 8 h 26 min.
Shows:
3 h 15 min
